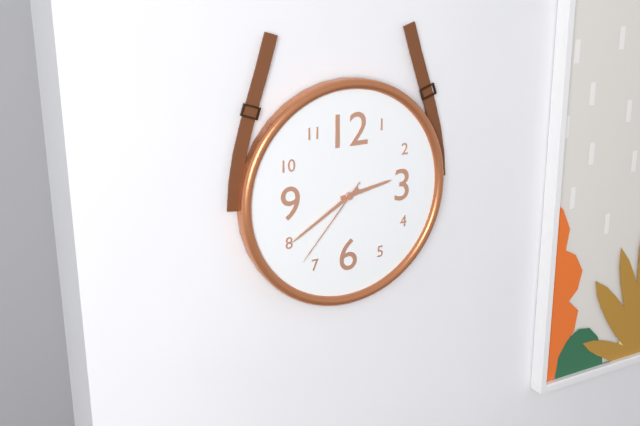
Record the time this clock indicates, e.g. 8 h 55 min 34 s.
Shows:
2 h 40 min 37 s
